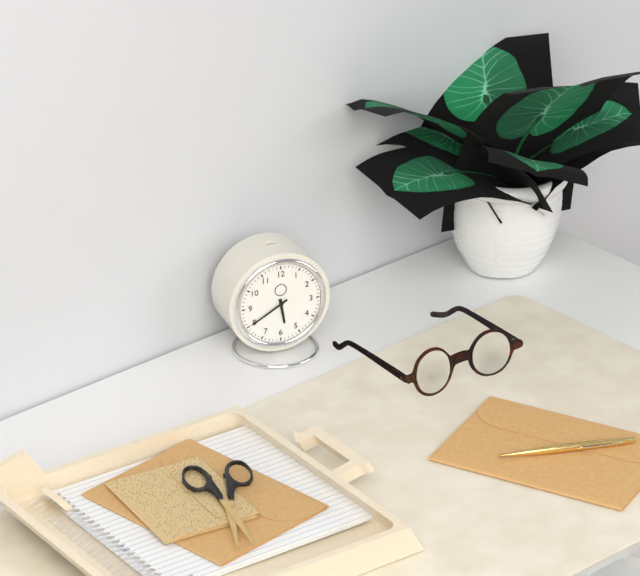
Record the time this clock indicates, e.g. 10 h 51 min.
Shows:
5 h 40 min
